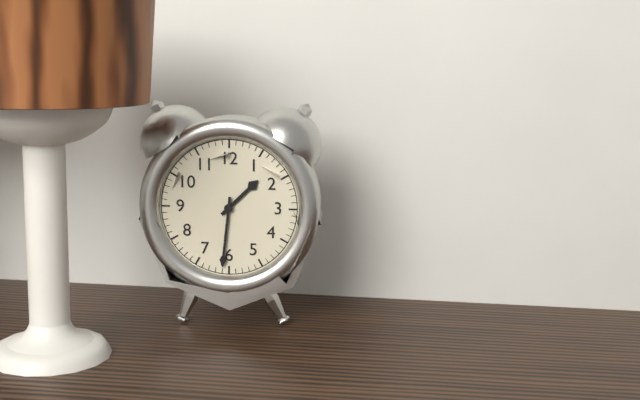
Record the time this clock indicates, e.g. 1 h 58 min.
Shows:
1 h 31 min
